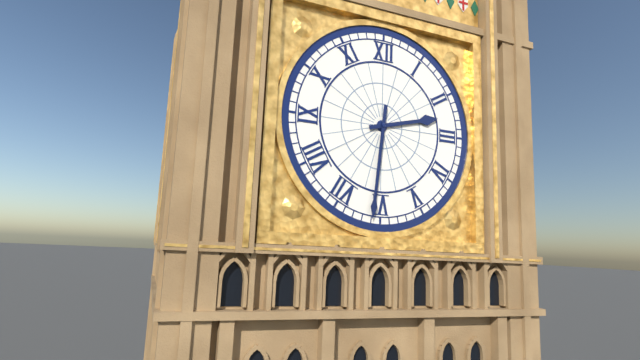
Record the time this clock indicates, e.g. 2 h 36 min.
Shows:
2 h 31 min
